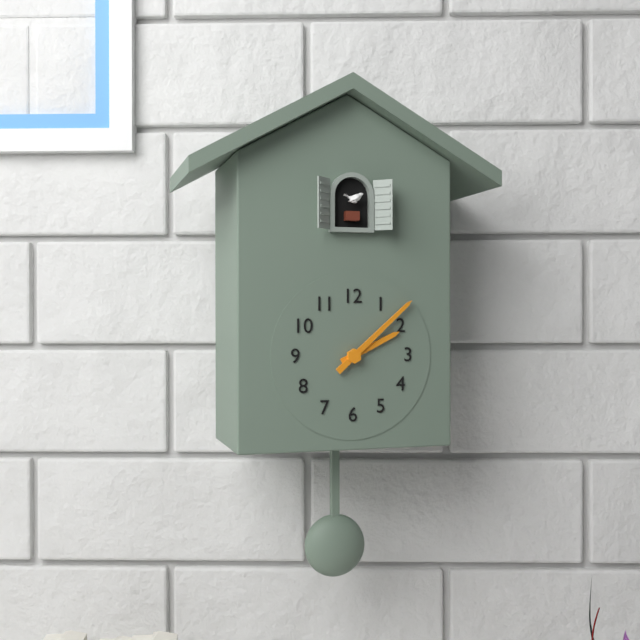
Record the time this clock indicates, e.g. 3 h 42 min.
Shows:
2 h 08 min
